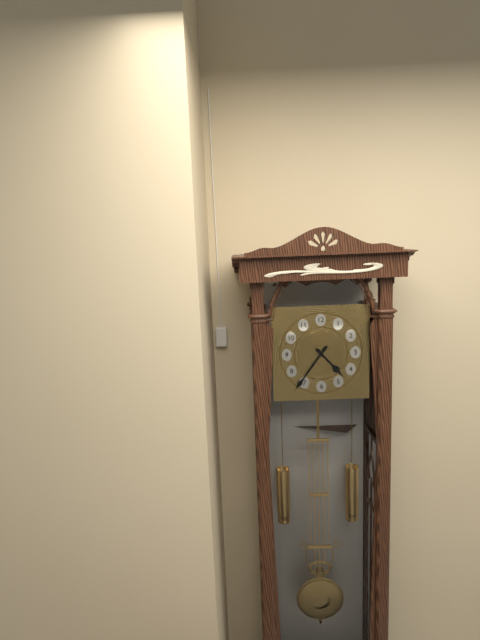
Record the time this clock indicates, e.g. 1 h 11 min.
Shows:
4 h 36 min
